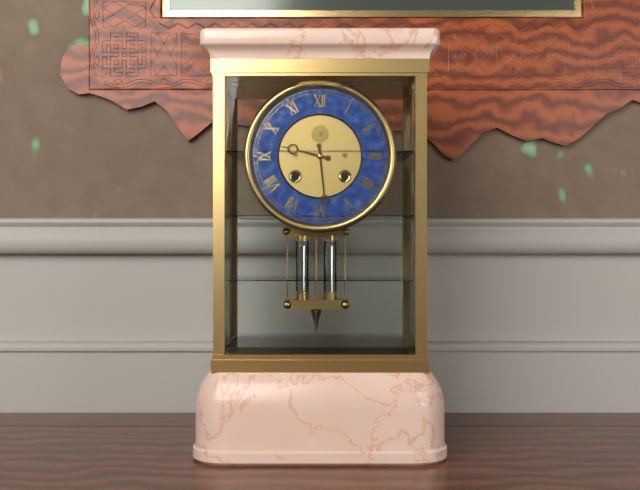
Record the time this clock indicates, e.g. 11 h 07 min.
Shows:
9 h 29 min
